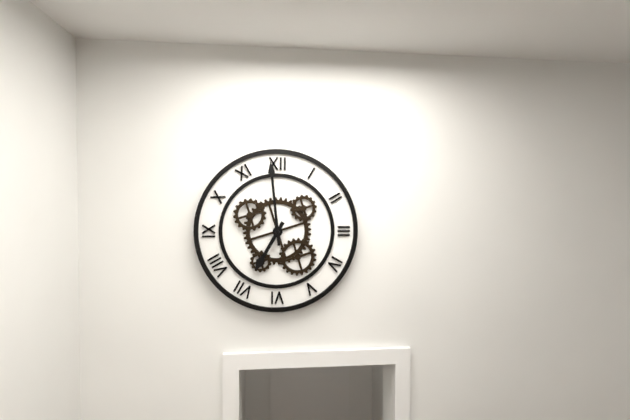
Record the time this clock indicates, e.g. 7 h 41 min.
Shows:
6 h 59 min
